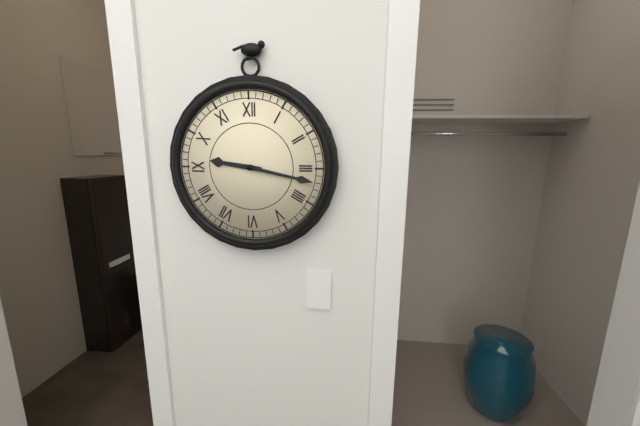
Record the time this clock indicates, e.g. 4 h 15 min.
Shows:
9 h 17 min
